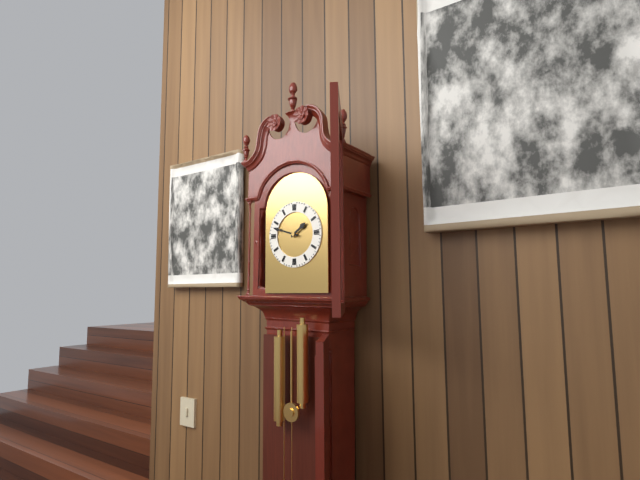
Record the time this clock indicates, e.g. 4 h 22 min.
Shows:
1 h 48 min
